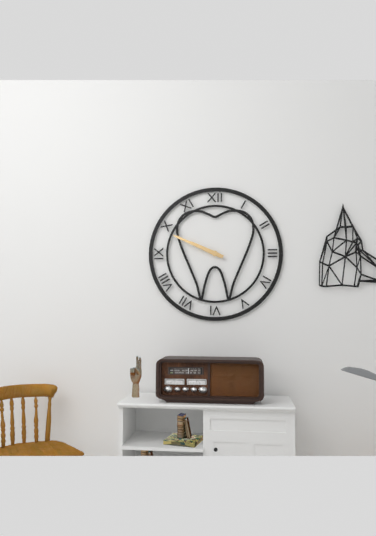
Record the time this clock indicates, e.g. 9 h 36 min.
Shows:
9 h 49 min
